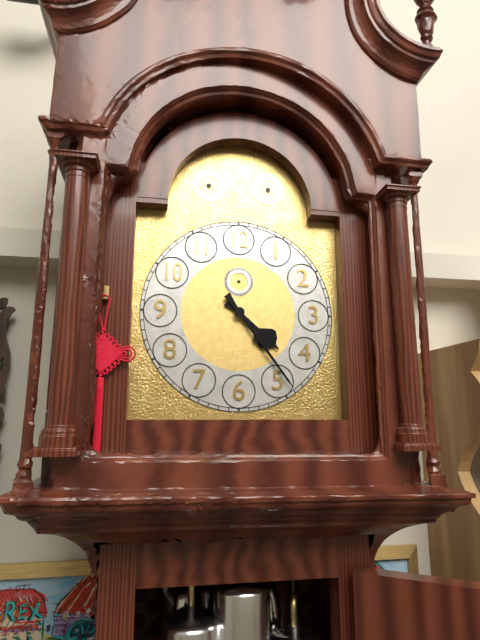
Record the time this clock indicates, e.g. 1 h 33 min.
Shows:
4 h 24 min
